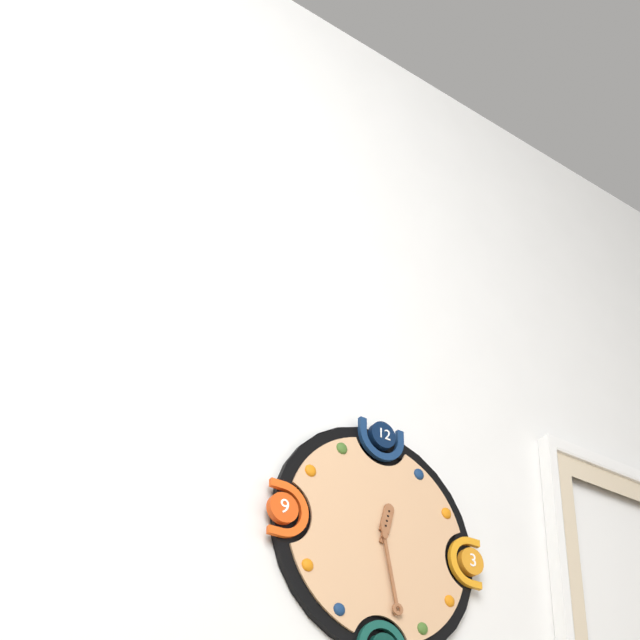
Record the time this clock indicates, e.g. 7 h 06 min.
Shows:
12 h 28 min
